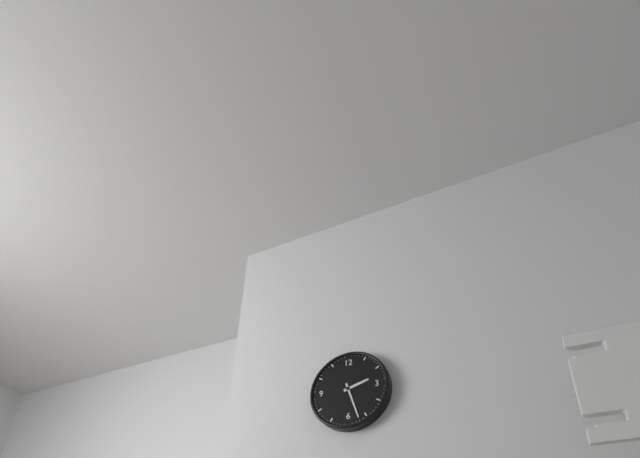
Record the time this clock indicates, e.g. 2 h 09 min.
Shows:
2 h 27 min
